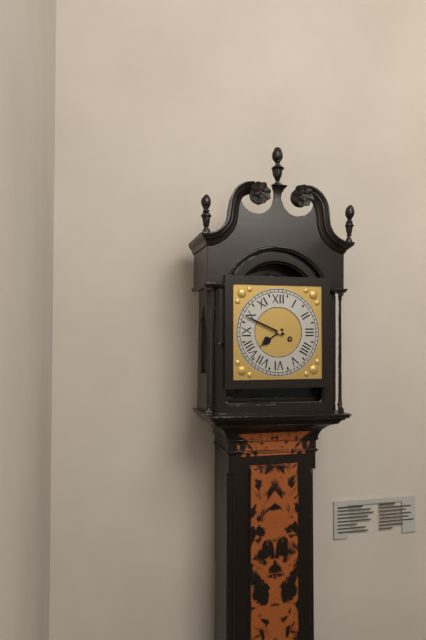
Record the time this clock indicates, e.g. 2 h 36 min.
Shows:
7 h 49 min
